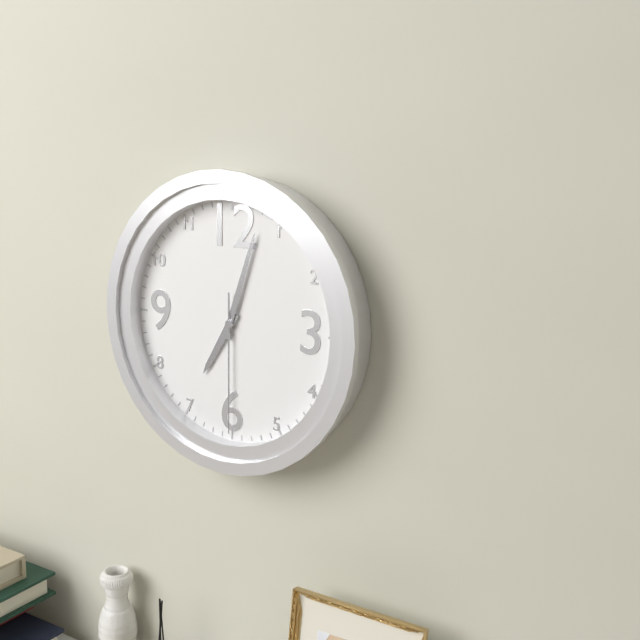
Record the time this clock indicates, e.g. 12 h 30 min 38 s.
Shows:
7 h 03 min 30 s
